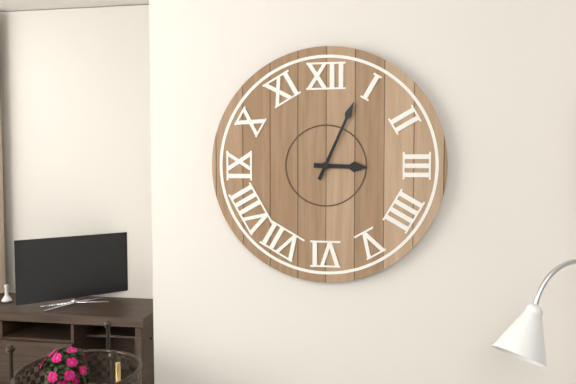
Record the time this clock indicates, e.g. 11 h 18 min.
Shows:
3 h 04 min
